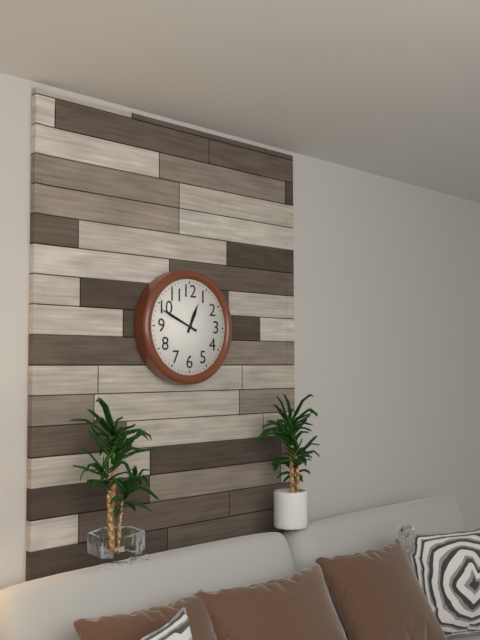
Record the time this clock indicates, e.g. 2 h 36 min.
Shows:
12 h 49 min
